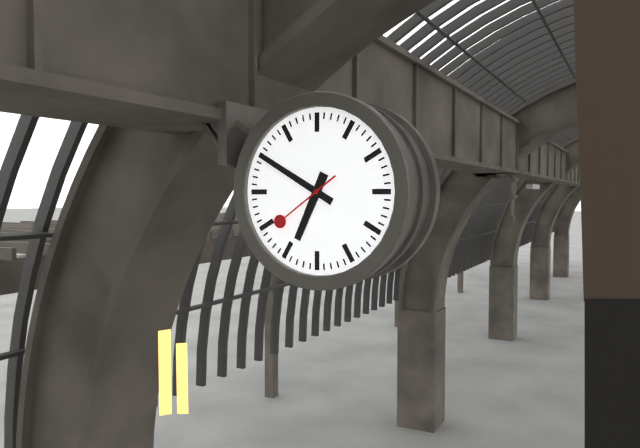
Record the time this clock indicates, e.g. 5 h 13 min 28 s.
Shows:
6 h 50 min 39 s
